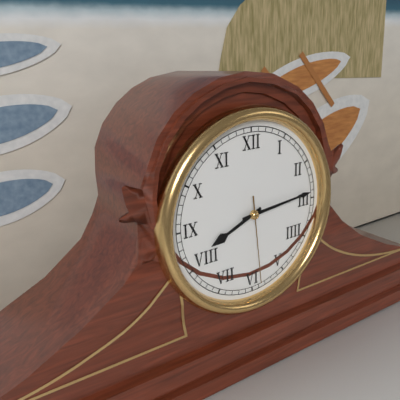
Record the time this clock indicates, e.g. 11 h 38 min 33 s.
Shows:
8 h 14 min 29 s
